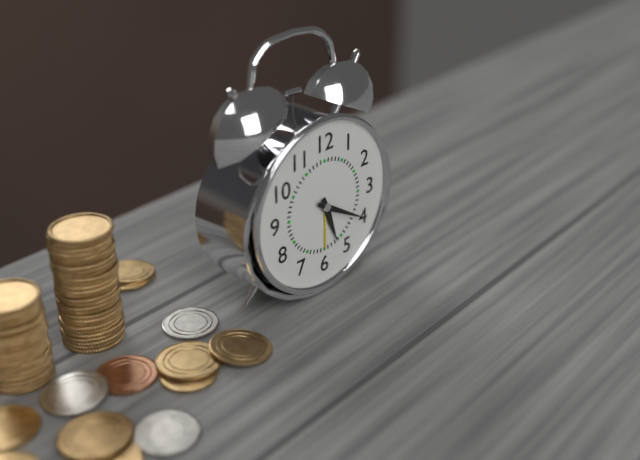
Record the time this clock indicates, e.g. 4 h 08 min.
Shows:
5 h 20 min
